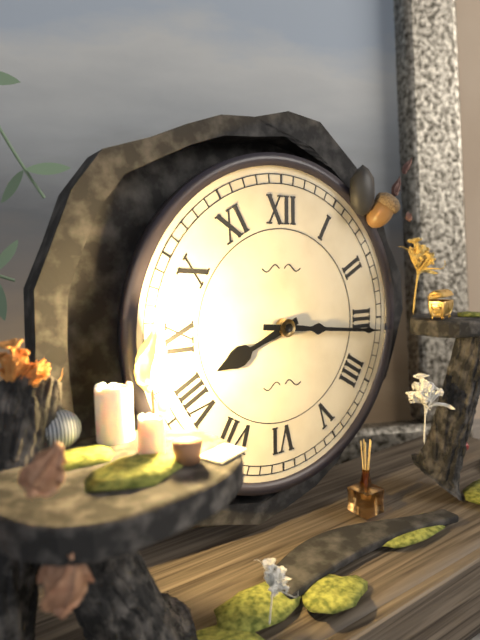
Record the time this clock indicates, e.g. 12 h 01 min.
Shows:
8 h 16 min
